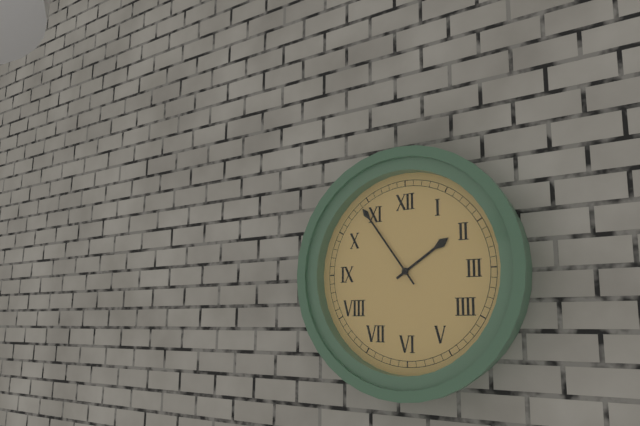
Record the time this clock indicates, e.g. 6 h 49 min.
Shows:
1 h 54 min
